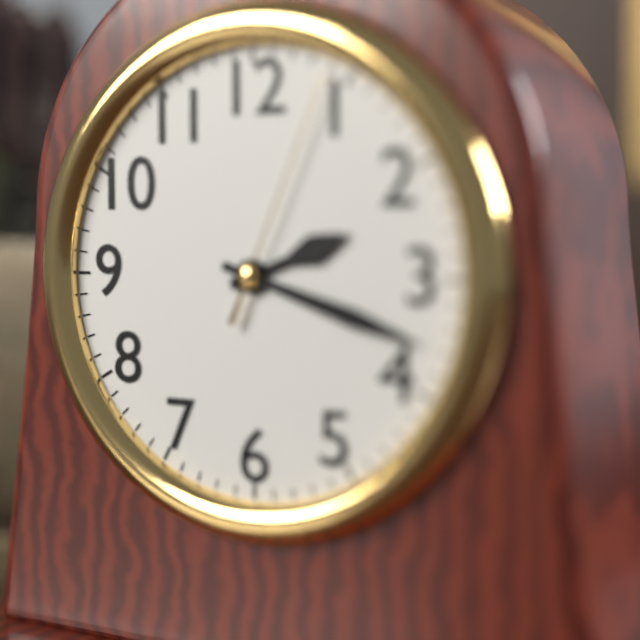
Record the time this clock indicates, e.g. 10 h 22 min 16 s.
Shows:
2 h 18 min 04 s
